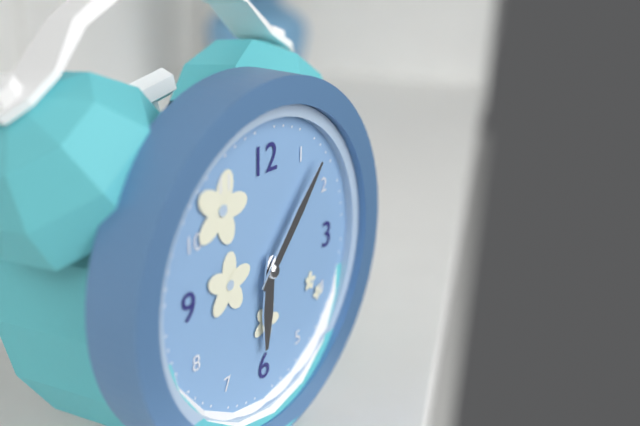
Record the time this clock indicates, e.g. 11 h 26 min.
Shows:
6 h 07 min
